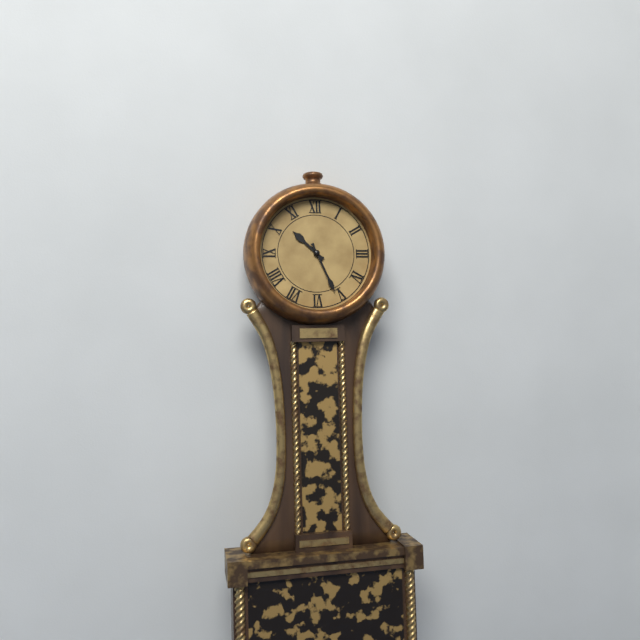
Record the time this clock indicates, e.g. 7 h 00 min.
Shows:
10 h 26 min
